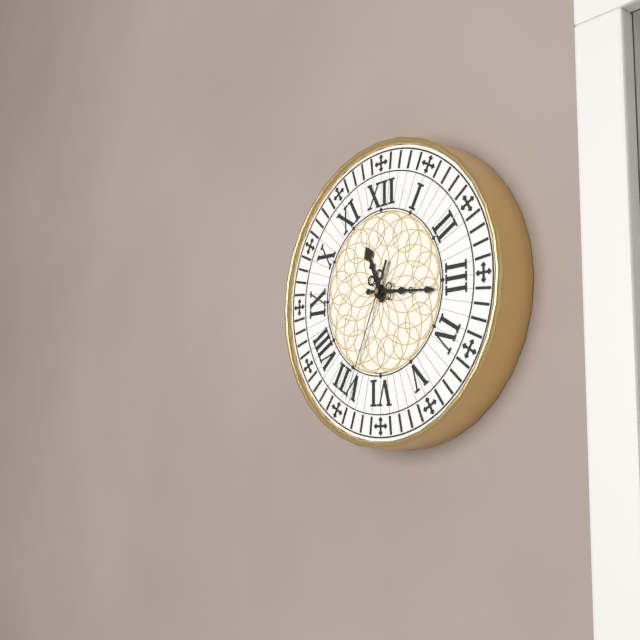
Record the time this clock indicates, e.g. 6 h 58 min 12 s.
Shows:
11 h 16 min 34 s
